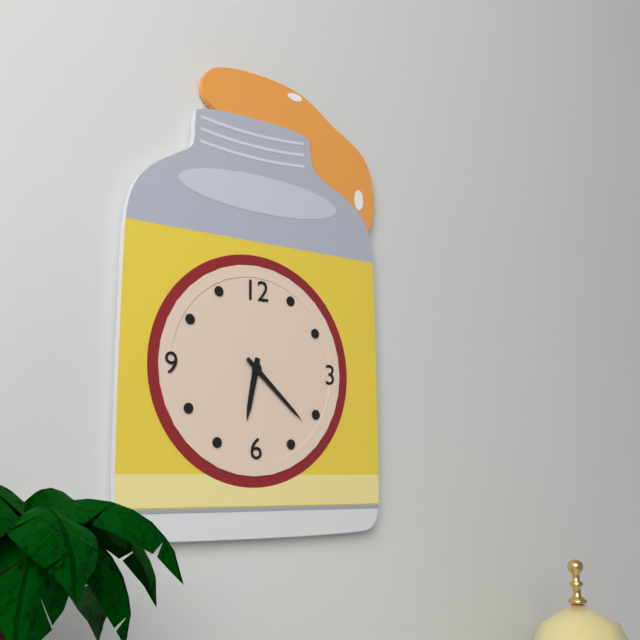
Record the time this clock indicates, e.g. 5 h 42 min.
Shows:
6 h 22 min
